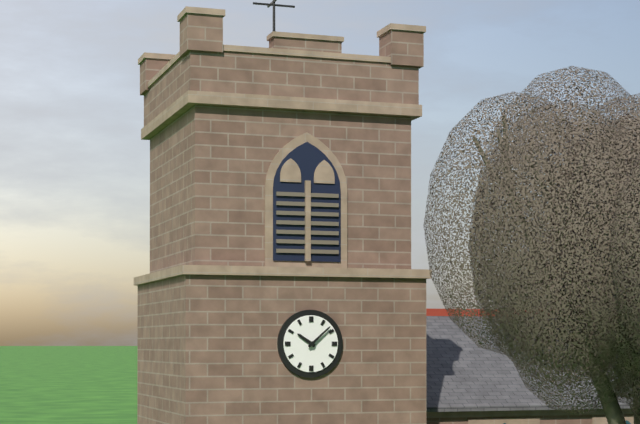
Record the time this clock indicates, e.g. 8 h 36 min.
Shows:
10 h 08 min
